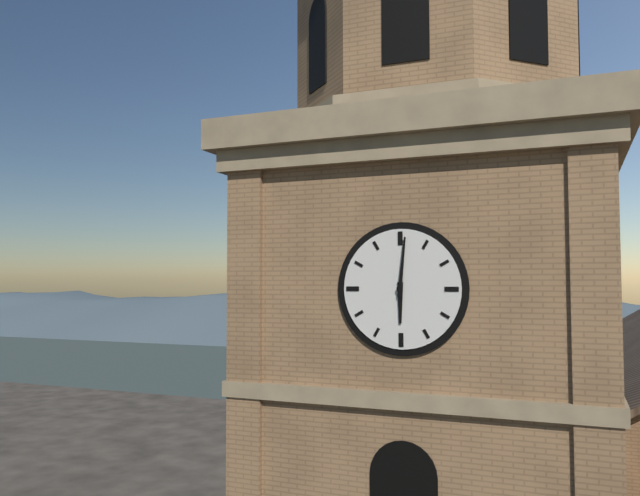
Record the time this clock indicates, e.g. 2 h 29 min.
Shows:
6 h 01 min
